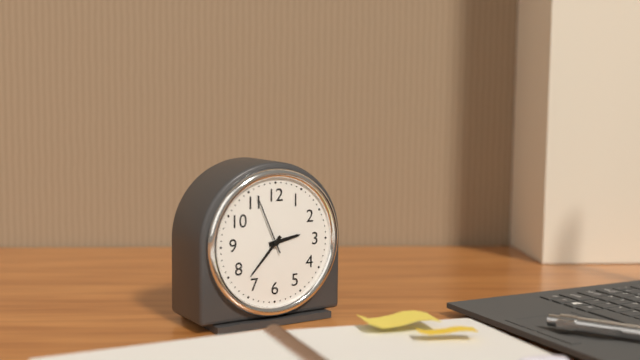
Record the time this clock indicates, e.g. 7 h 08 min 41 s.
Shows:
2 h 37 min 56 s
